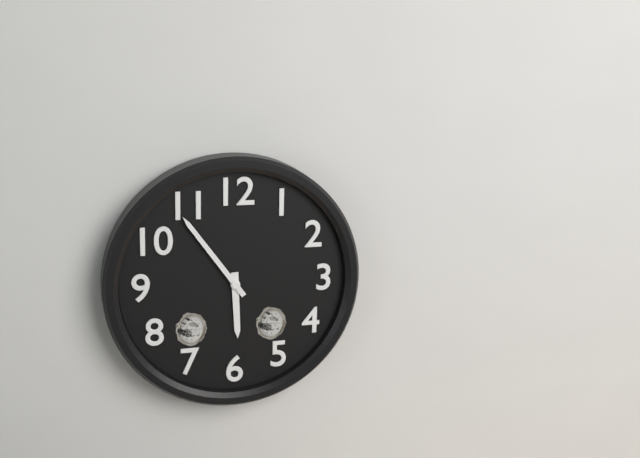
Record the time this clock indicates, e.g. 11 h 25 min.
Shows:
5 h 54 min
